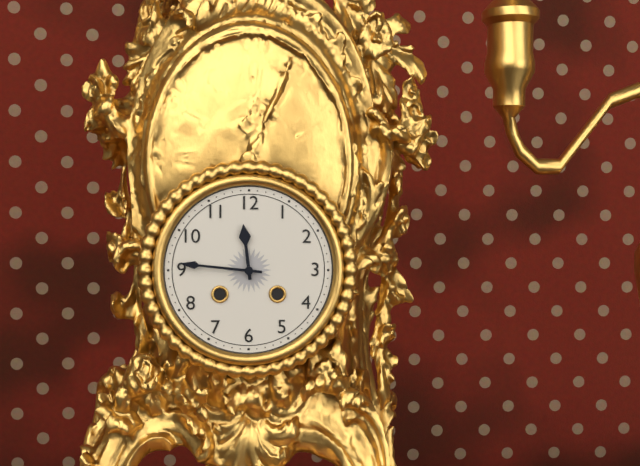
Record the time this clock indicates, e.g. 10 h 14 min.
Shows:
11 h 46 min
